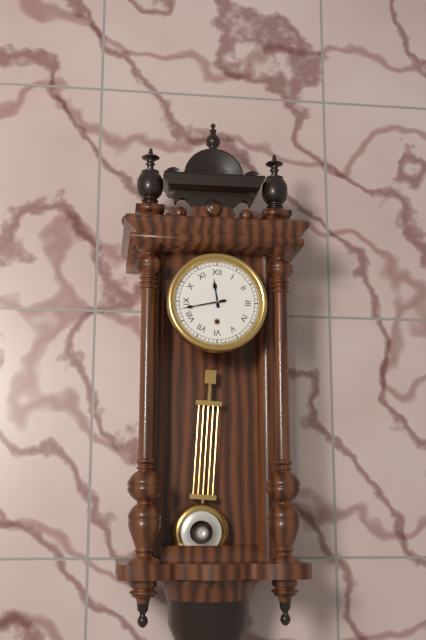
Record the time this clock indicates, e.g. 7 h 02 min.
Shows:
11 h 43 min
